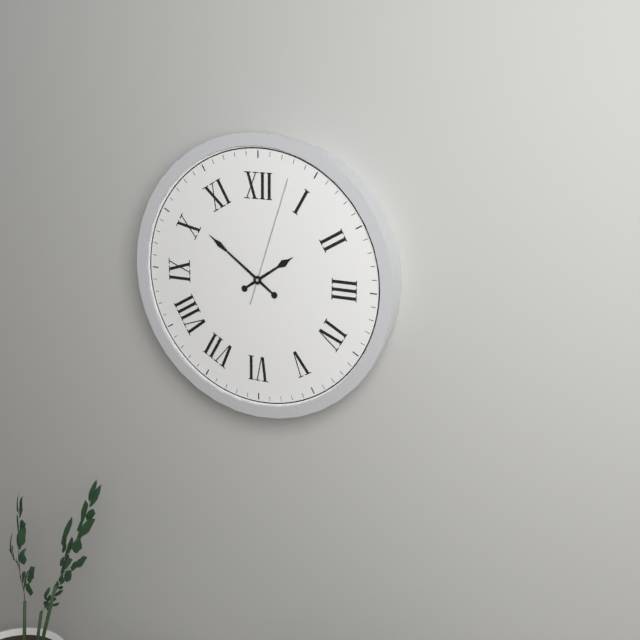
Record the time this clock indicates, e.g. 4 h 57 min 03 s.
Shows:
1 h 51 min 03 s
